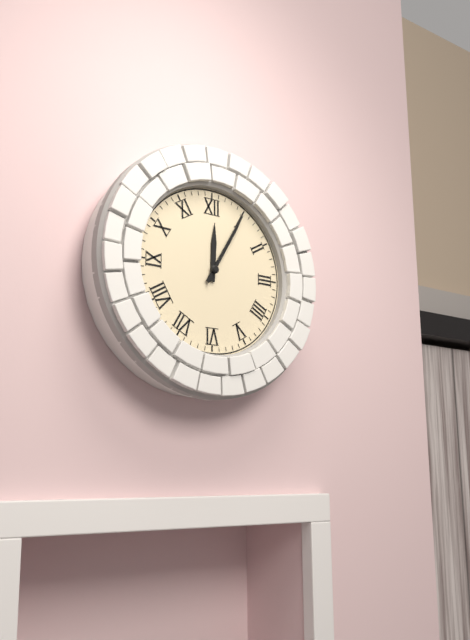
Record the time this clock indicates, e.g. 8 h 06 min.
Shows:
12 h 05 min
